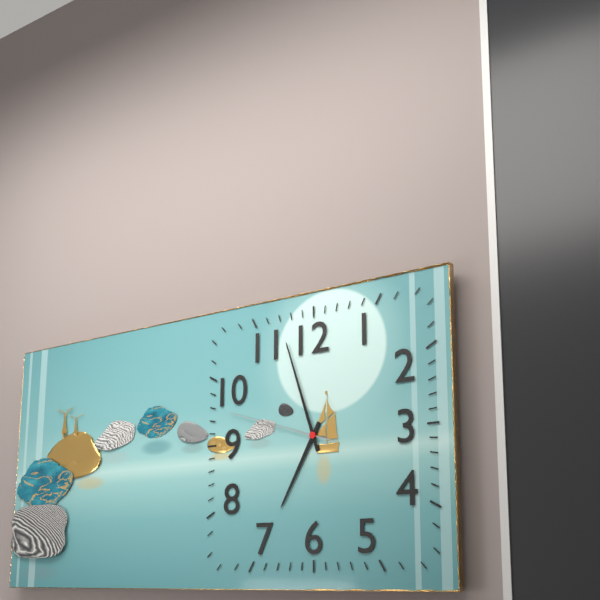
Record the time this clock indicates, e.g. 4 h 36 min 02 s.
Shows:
6 h 57 min 48 s
